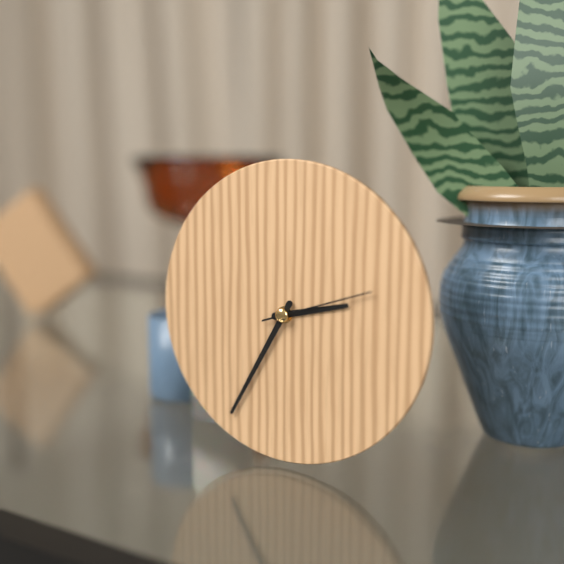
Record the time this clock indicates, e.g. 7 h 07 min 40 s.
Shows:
2 h 35 min 12 s
